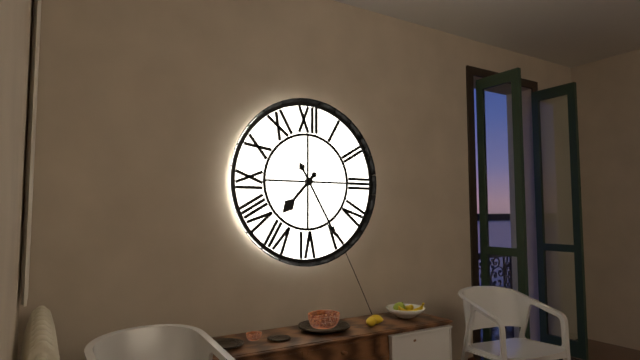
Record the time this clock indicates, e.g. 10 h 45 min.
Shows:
7 h 25 min
